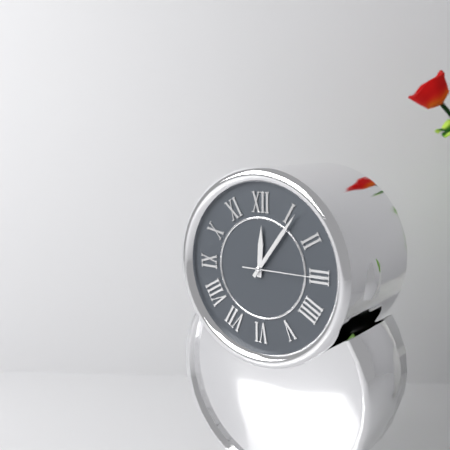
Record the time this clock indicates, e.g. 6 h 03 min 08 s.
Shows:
12 h 06 min 15 s
